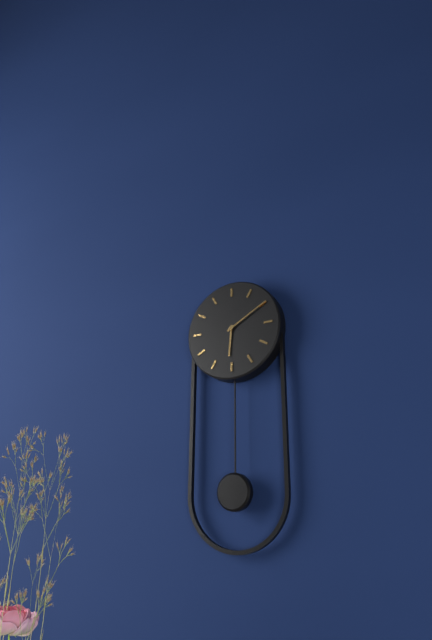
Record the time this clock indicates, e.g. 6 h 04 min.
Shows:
6 h 10 min
